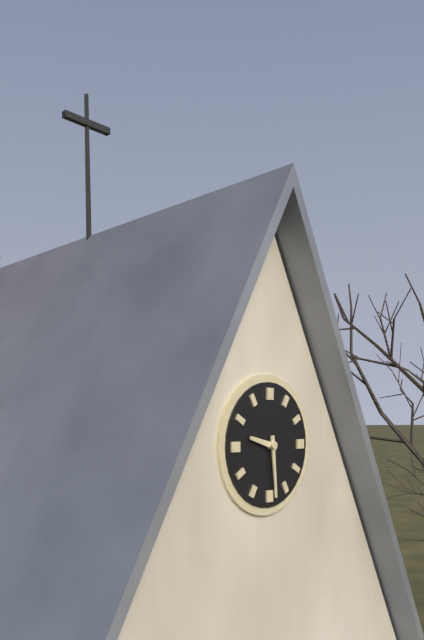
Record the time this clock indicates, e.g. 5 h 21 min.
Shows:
9 h 29 min
